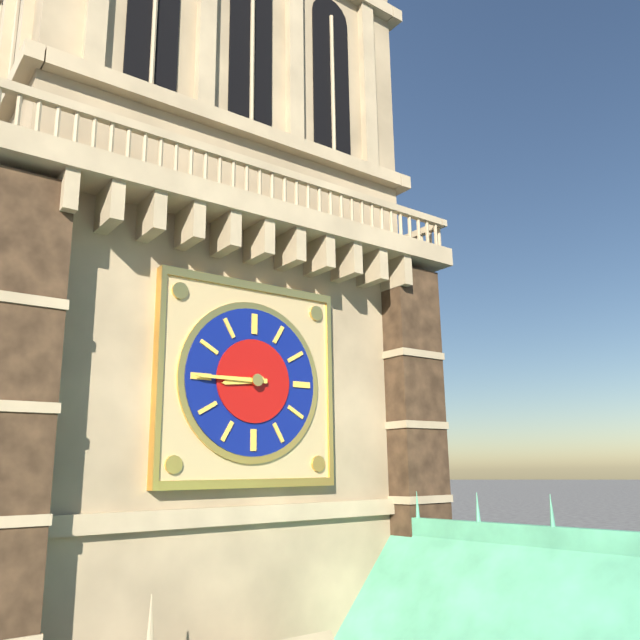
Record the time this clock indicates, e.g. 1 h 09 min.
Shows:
8 h 45 min
